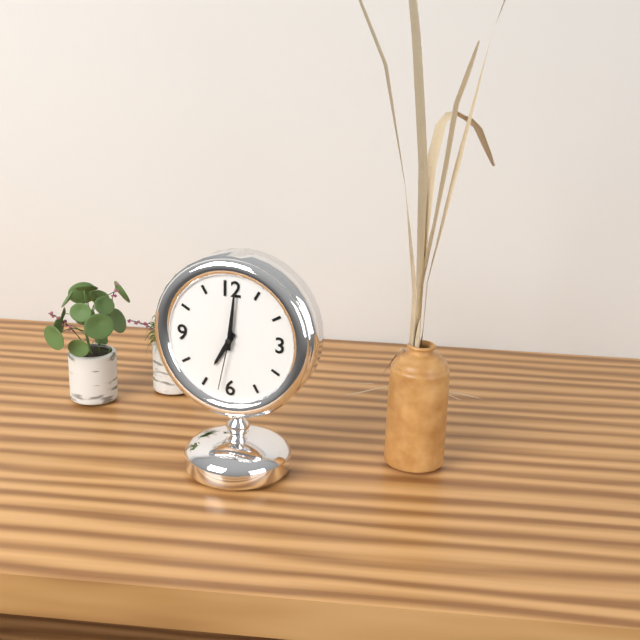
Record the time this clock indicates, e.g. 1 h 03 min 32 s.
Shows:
7 h 01 min 32 s
